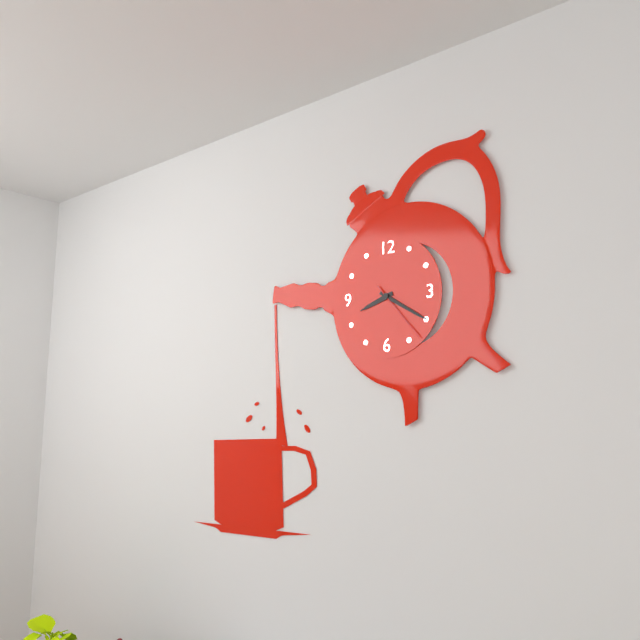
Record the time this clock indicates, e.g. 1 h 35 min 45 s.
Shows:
8 h 20 min 23 s
